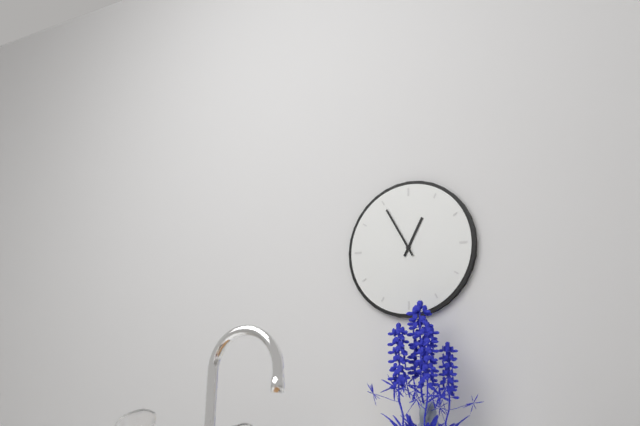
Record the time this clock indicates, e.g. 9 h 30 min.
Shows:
12 h 55 min
